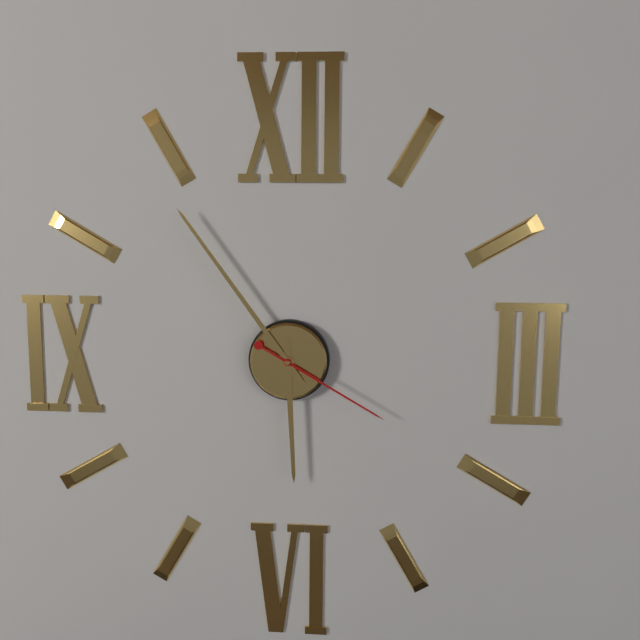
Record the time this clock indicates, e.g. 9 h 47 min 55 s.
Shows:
5 h 54 min 20 s
